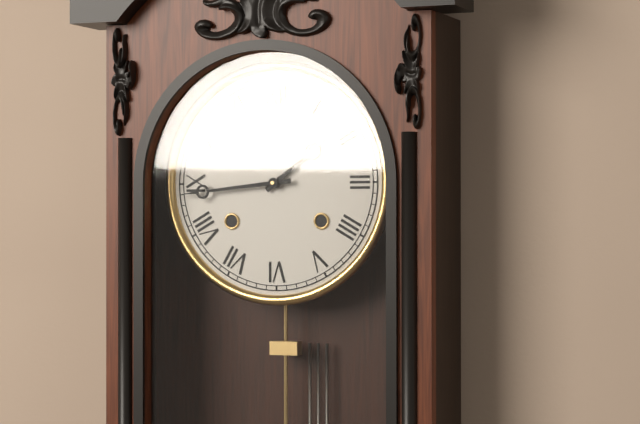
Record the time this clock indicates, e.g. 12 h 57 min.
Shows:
1 h 44 min
